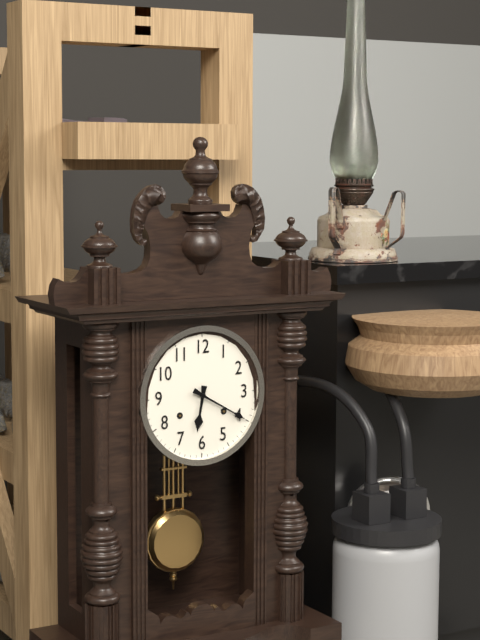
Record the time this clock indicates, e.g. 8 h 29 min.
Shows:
6 h 20 min
